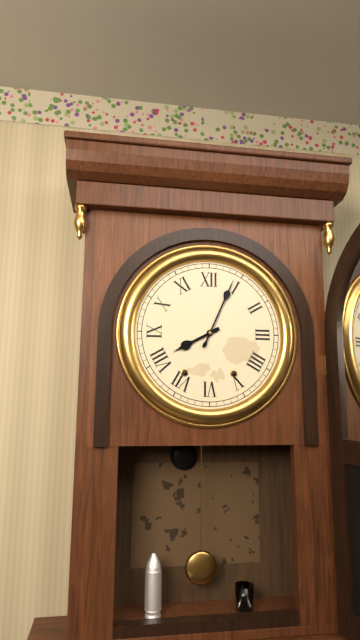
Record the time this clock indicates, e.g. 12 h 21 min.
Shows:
8 h 04 min
